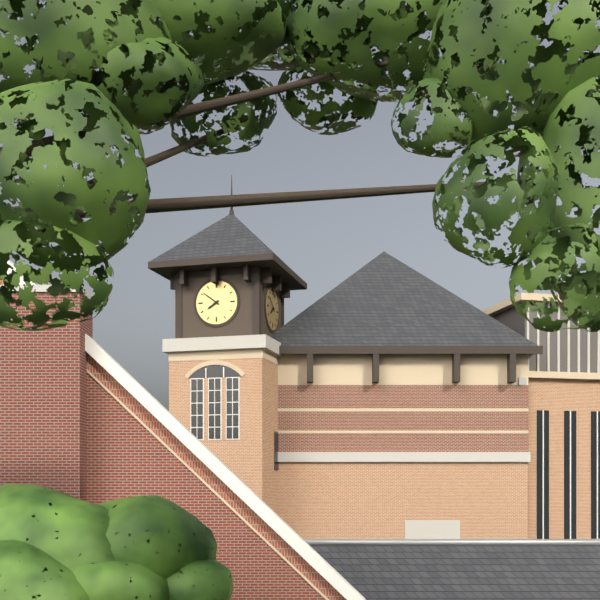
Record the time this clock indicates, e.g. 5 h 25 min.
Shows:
7 h 51 min
